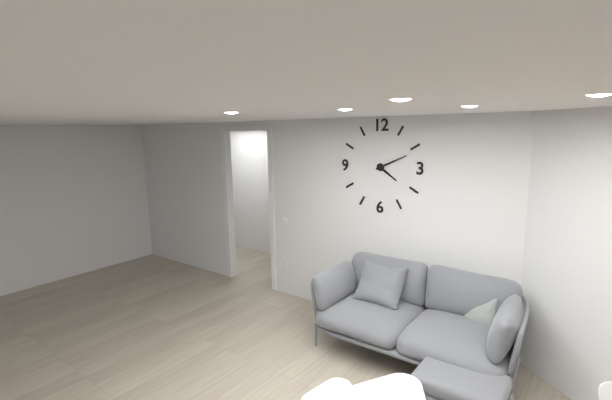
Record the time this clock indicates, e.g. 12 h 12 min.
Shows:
4 h 11 min
